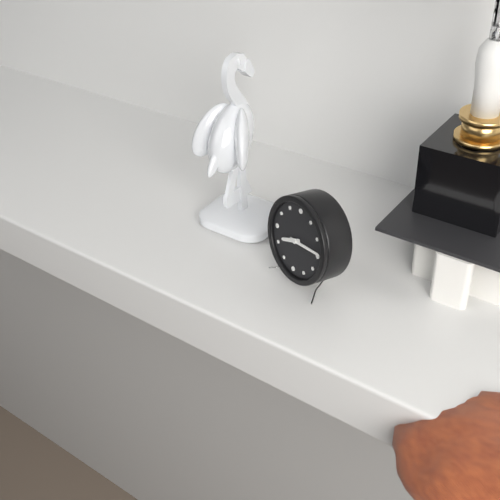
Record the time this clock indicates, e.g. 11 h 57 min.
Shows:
8 h 14 min
